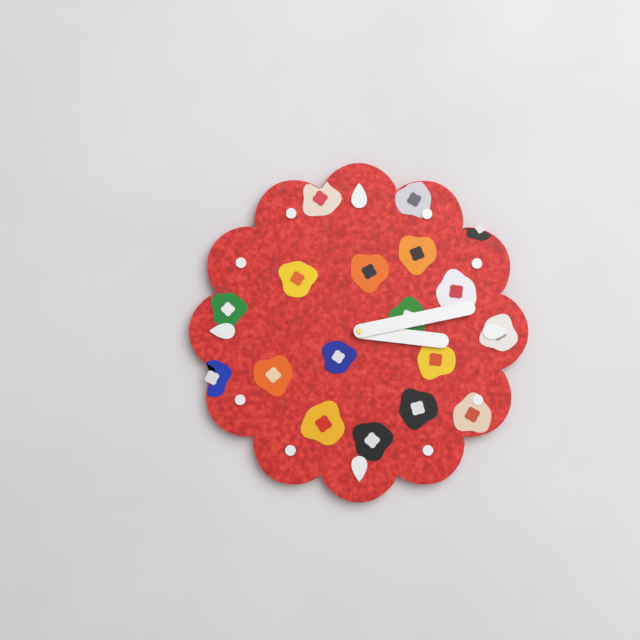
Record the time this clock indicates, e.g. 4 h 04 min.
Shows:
3 h 13 min
